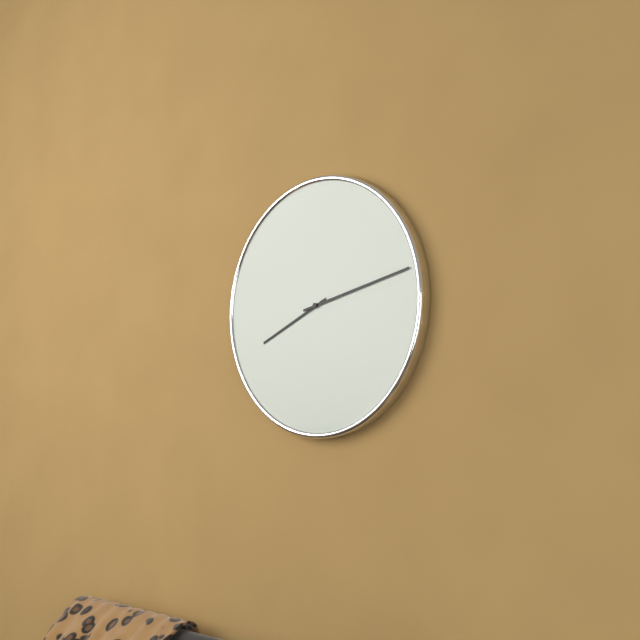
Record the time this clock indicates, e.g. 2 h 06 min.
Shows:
8 h 13 min
